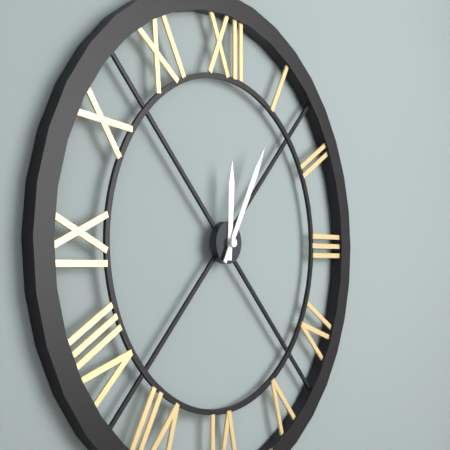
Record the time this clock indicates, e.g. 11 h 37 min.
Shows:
12 h 05 min
